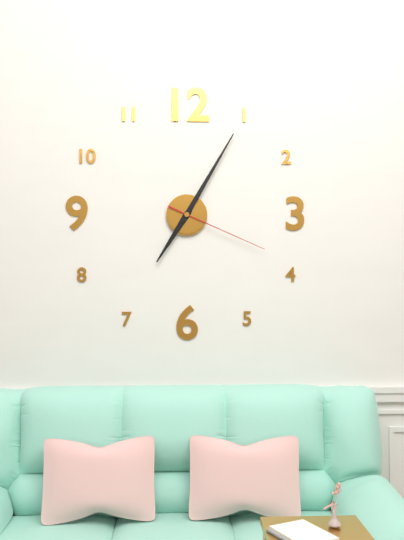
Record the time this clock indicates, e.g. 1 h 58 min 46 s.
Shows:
7 h 05 min 19 s
